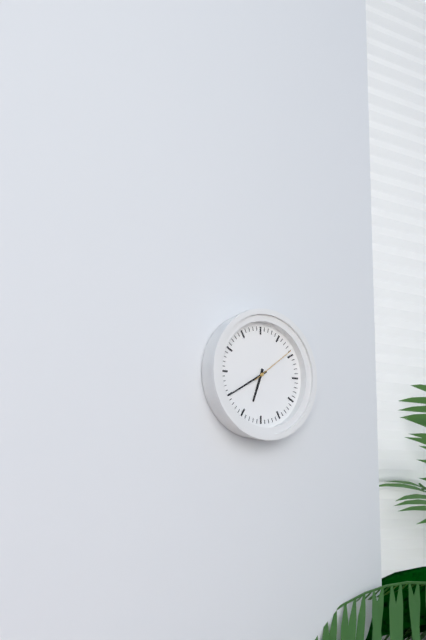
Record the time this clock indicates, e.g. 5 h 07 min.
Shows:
6 h 40 min
